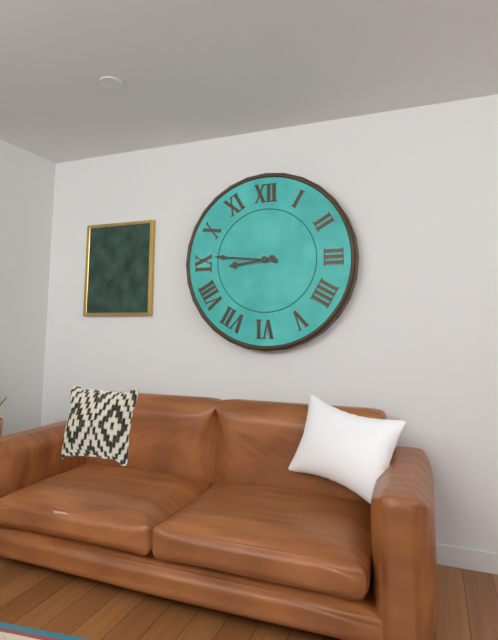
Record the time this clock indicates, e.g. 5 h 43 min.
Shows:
8 h 46 min
